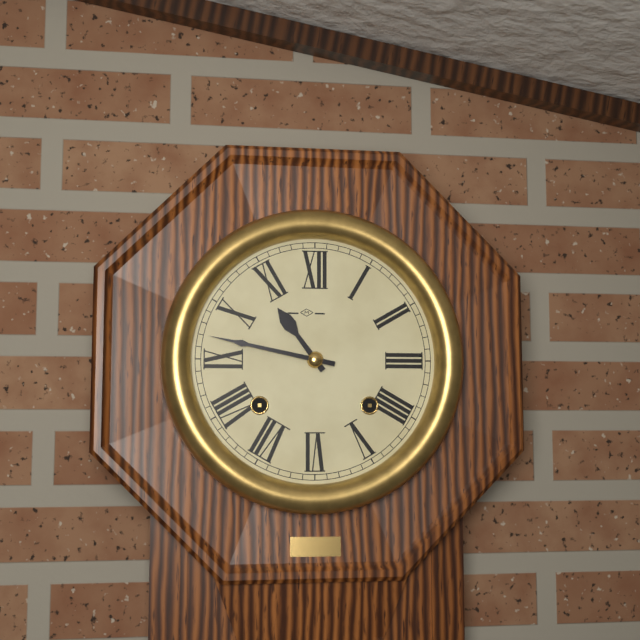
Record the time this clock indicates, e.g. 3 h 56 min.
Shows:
10 h 47 min
